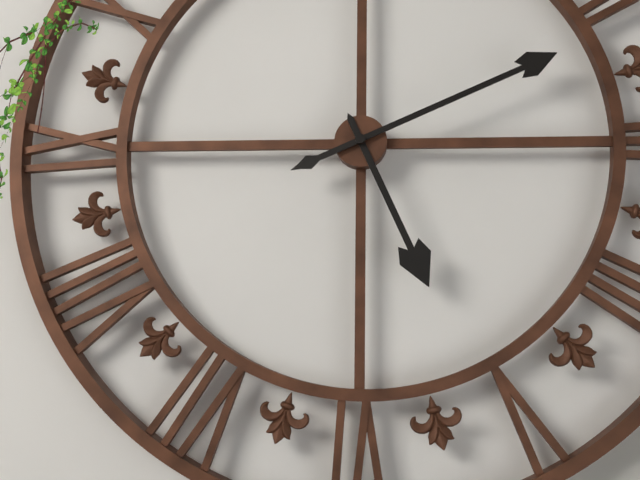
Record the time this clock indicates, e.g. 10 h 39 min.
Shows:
5 h 11 min
